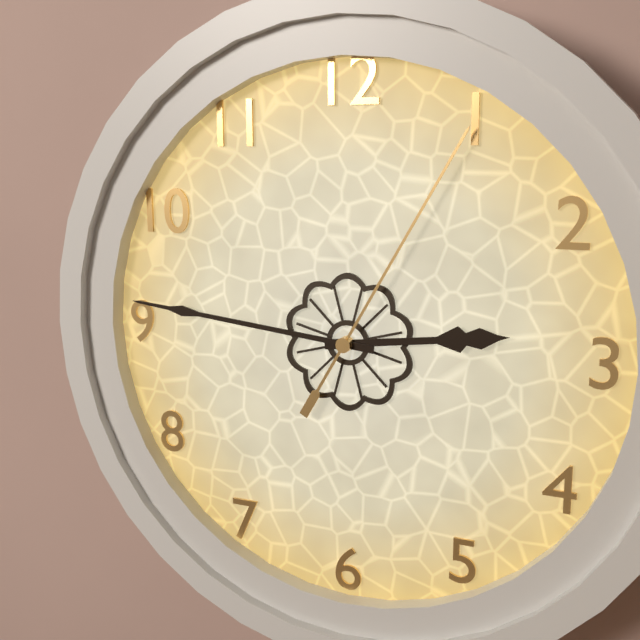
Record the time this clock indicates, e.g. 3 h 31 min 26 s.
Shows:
2 h 46 min 05 s
